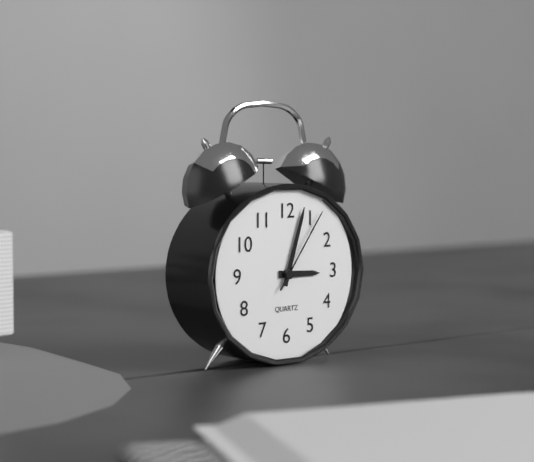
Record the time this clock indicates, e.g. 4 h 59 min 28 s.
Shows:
3 h 03 min 06 s
